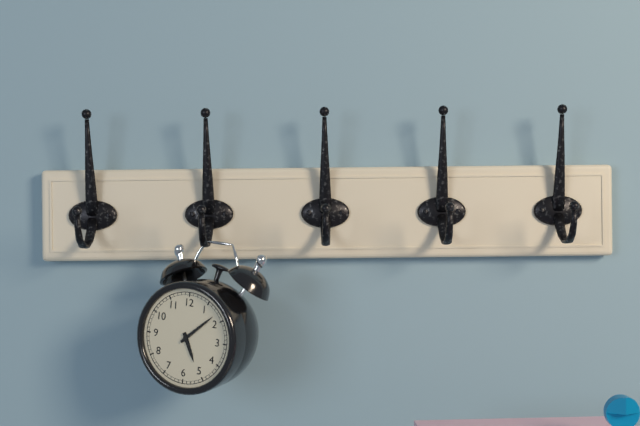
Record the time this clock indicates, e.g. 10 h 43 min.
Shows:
5 h 08 min
